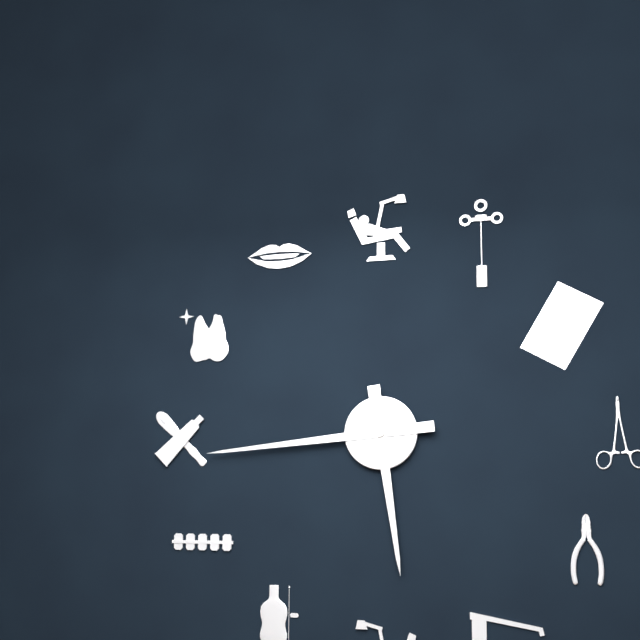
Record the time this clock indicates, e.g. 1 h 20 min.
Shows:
5 h 44 min
